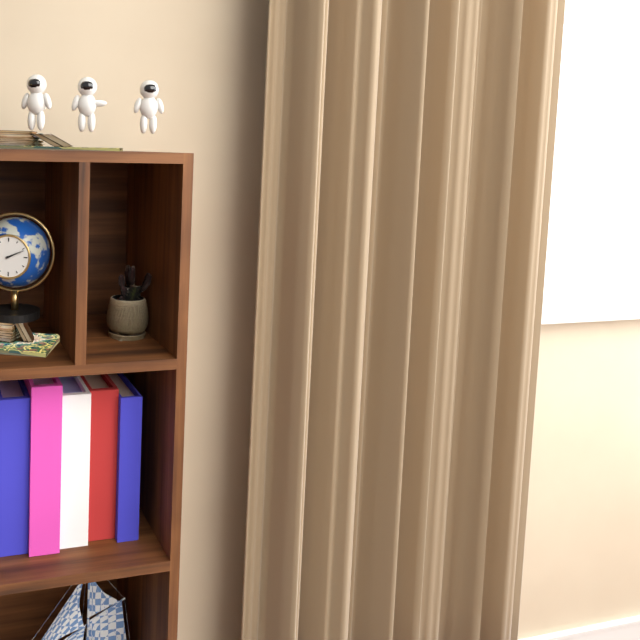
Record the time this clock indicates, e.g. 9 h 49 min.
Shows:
2 h 11 min
